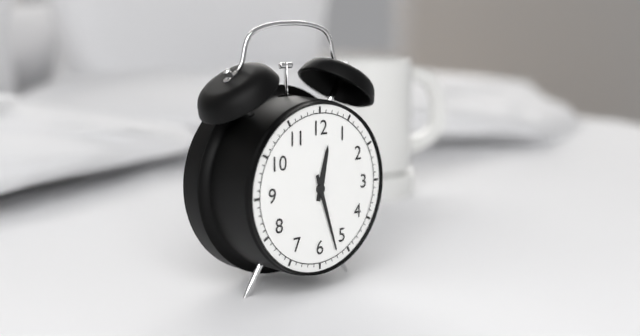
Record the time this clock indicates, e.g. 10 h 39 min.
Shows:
12 h 27 min
